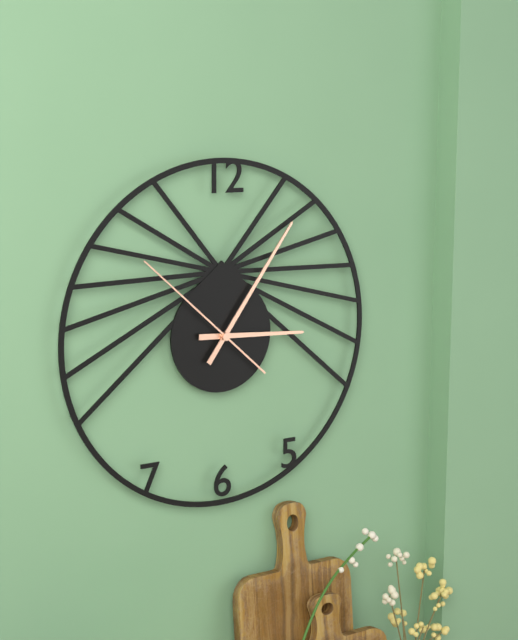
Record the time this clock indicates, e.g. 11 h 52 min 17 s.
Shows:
3 h 06 min 52 s
